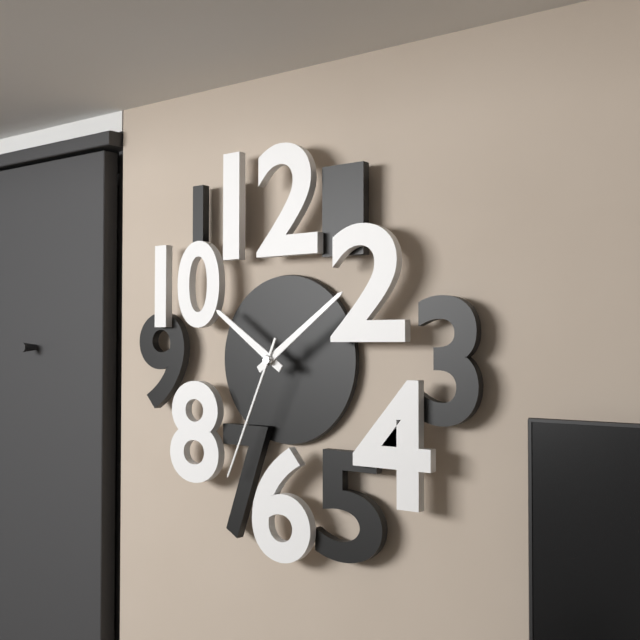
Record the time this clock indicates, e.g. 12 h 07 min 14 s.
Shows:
10 h 09 min 34 s
